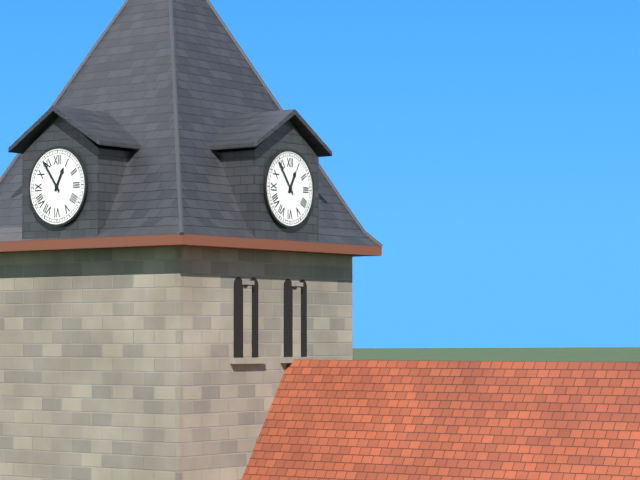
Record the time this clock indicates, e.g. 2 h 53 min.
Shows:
12 h 54 min
